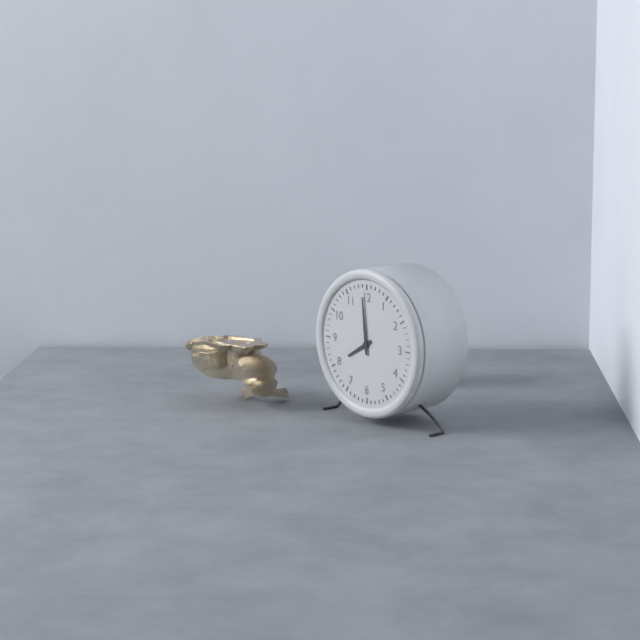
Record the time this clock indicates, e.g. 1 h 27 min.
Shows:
7 h 59 min
